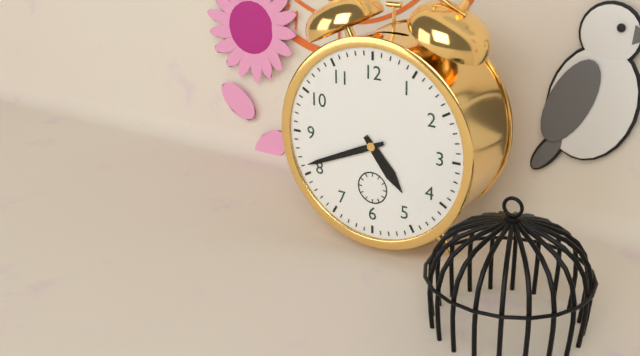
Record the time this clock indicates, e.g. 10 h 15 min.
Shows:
4 h 41 min
